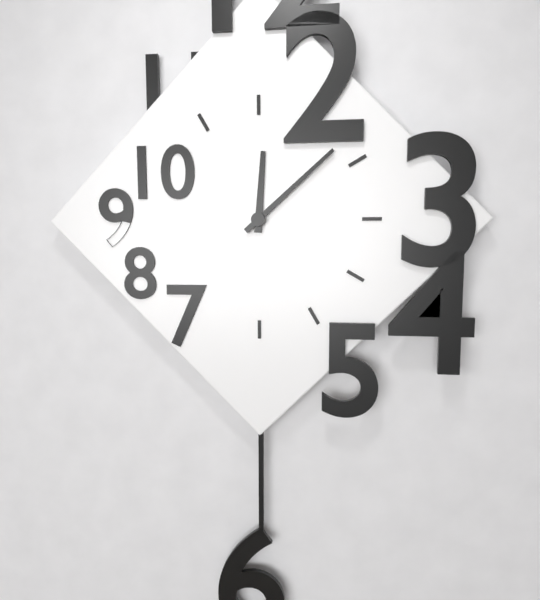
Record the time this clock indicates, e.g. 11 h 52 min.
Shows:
12 h 08 min
